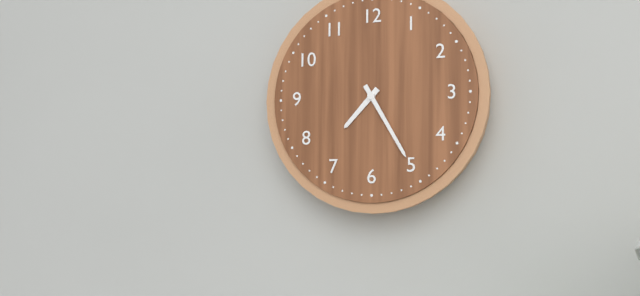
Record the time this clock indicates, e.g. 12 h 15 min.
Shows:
7 h 25 min
